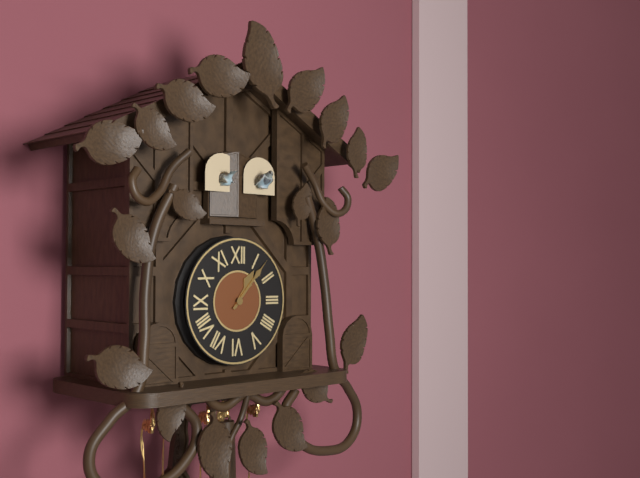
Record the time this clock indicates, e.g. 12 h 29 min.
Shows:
1 h 07 min
